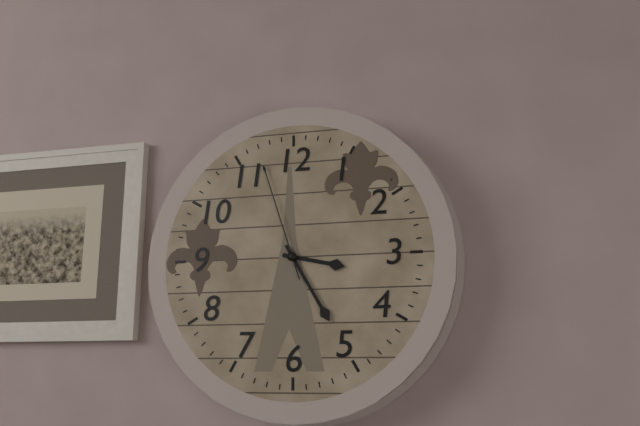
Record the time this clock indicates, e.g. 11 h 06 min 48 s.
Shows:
3 h 25 min 57 s
